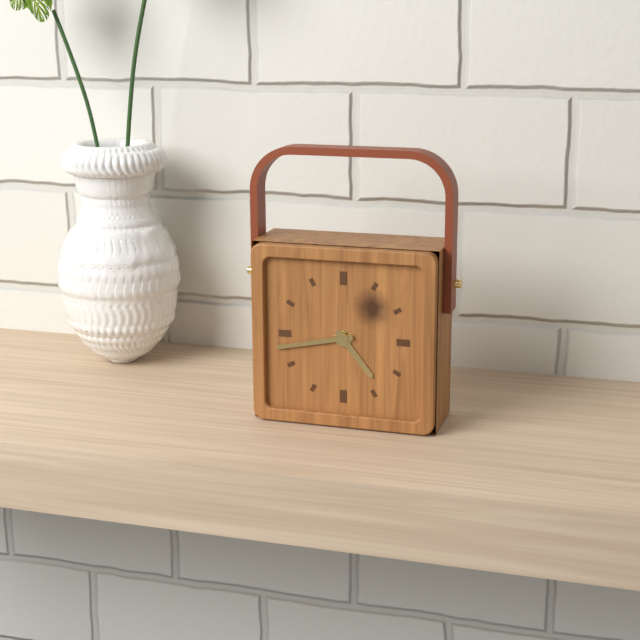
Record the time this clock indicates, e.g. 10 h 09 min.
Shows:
4 h 43 min
